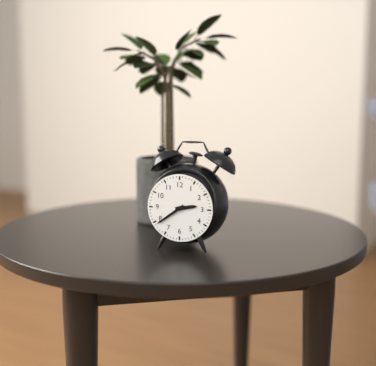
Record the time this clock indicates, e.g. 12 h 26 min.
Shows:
2 h 39 min
